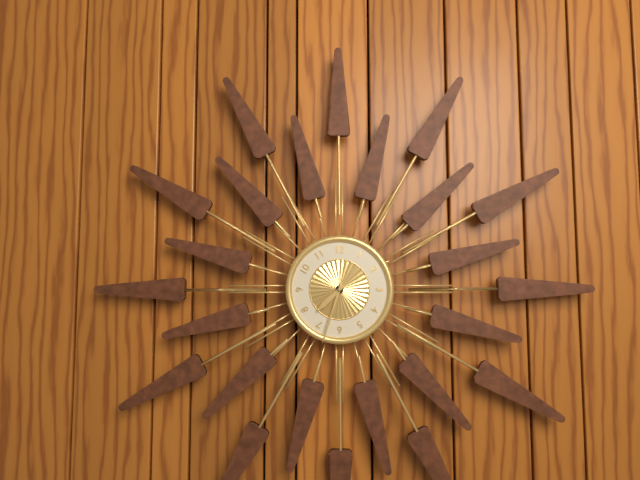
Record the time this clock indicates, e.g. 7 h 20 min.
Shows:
7 h 33 min
